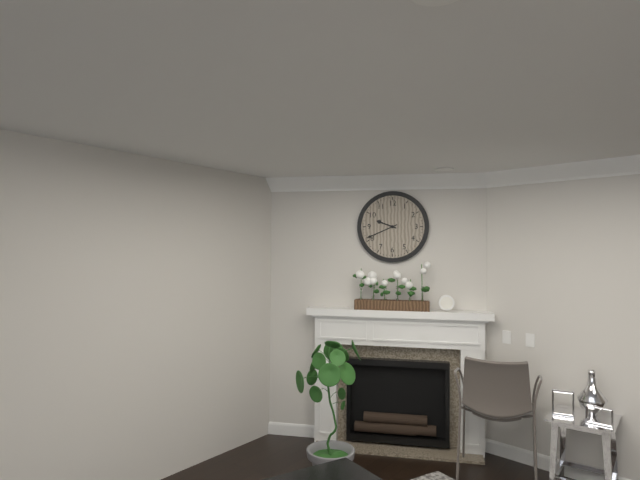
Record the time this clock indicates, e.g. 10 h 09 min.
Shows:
9 h 41 min
